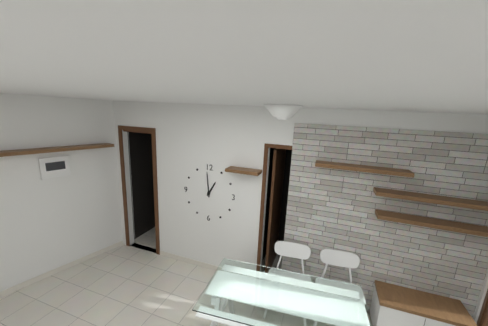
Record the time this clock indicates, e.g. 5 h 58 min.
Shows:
12 h 59 min
